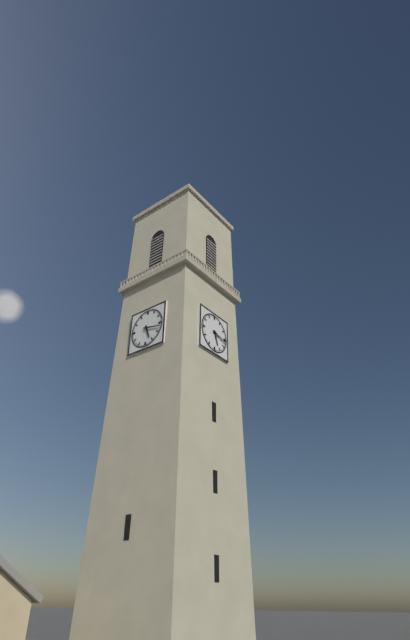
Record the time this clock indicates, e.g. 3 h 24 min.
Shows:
5 h 17 min
